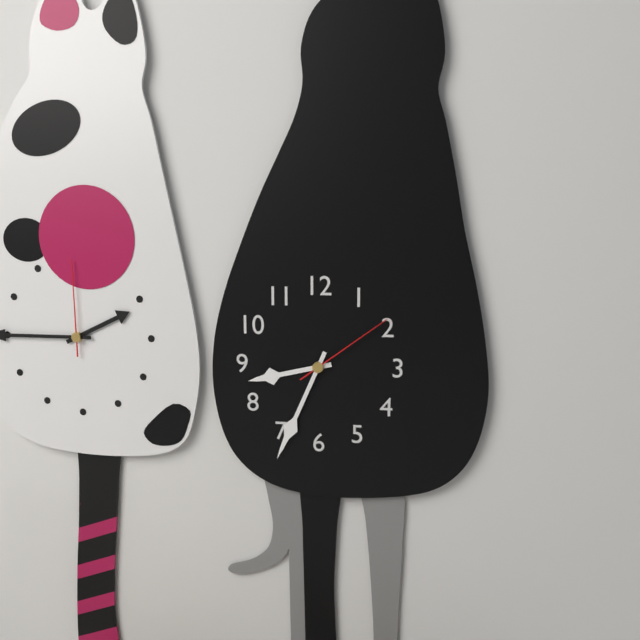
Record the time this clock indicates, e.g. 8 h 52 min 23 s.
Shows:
8 h 34 min 09 s
